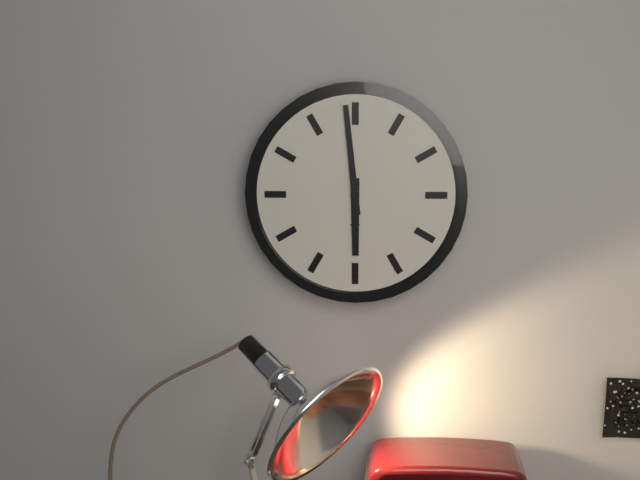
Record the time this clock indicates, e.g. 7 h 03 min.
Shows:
5 h 59 min
